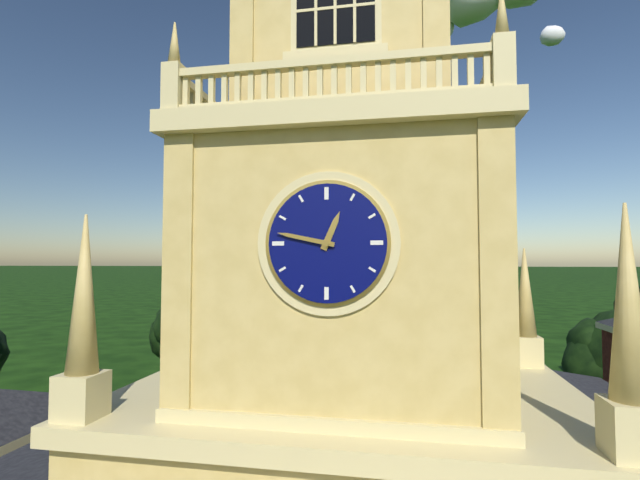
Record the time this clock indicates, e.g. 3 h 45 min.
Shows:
12 h 47 min
